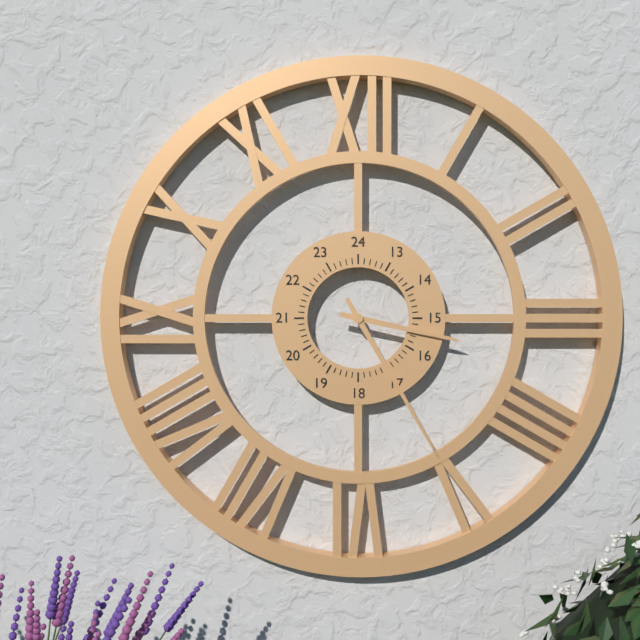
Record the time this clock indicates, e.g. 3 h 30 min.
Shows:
3 h 25 min
